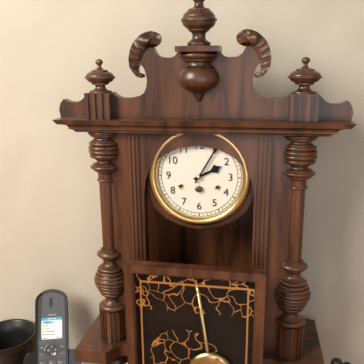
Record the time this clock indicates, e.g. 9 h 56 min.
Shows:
2 h 05 min
